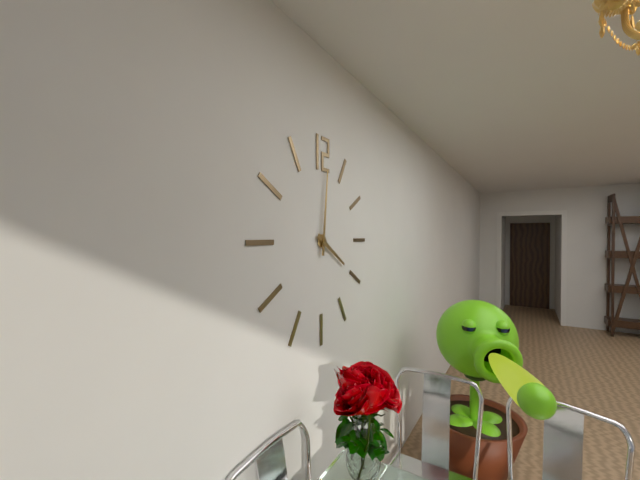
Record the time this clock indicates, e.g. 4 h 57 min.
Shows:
4 h 01 min
